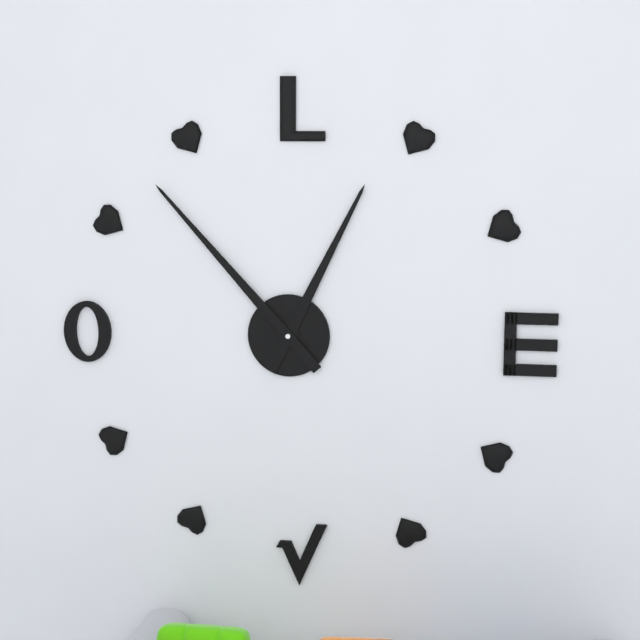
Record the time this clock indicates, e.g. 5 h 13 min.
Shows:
12 h 53 min
